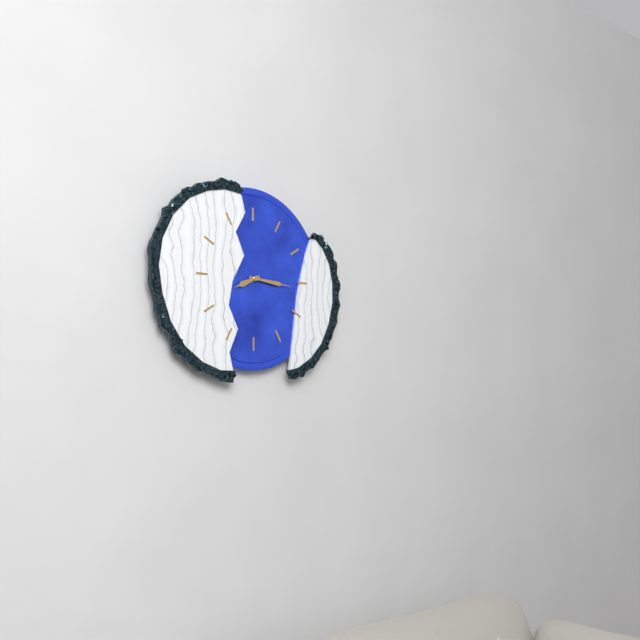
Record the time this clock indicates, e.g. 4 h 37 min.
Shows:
8 h 16 min
